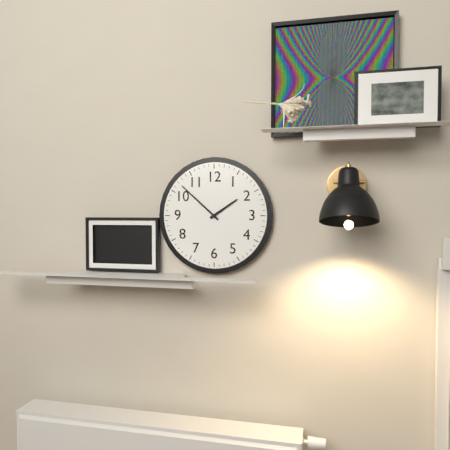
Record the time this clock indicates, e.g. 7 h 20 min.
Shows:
1 h 52 min
